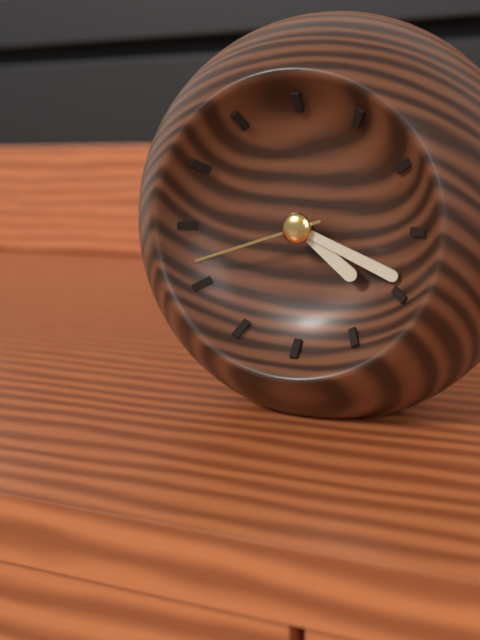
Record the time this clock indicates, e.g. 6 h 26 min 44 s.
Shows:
4 h 19 min 42 s
